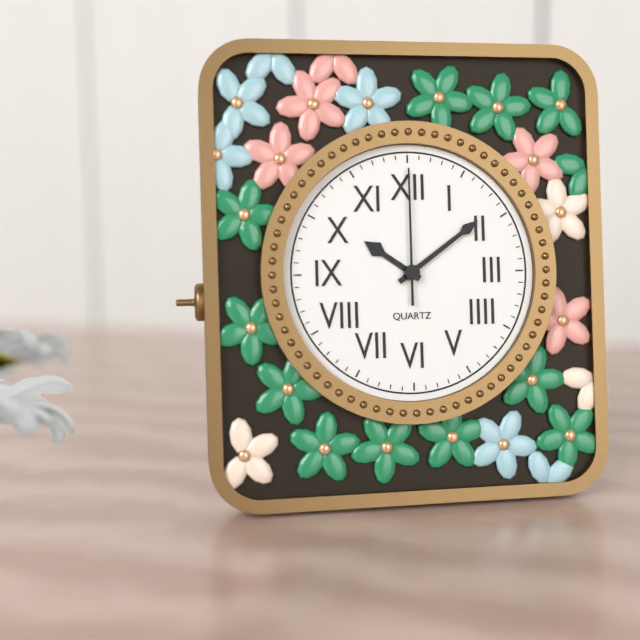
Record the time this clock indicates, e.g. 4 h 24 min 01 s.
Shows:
10 h 09 min 00 s
